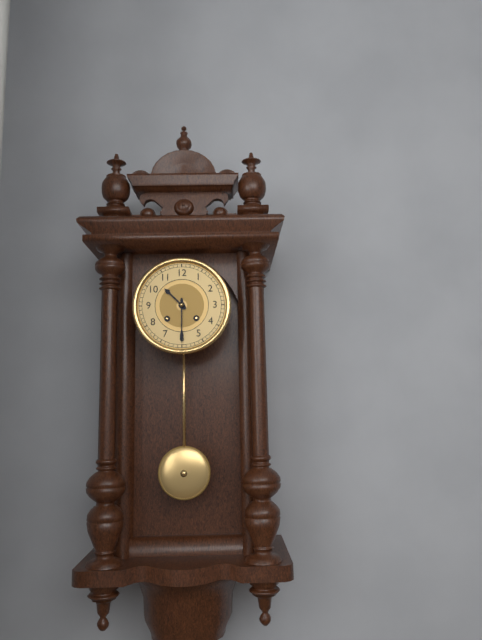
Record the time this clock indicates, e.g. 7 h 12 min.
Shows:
10 h 30 min
